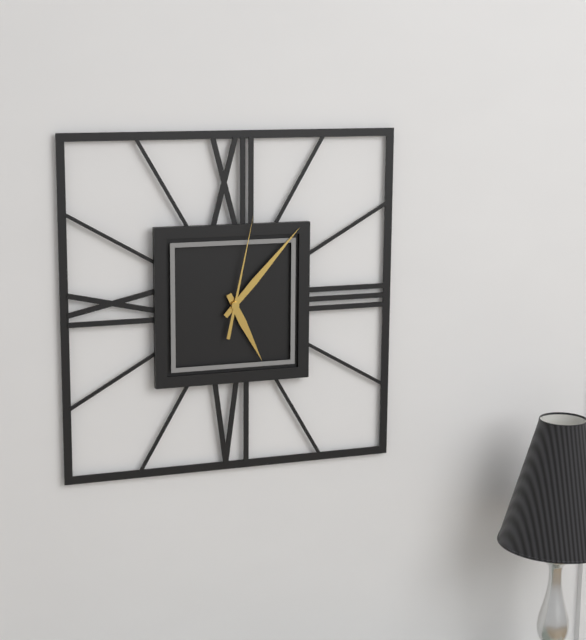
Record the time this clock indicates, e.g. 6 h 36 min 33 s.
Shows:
5 h 07 min 02 s
